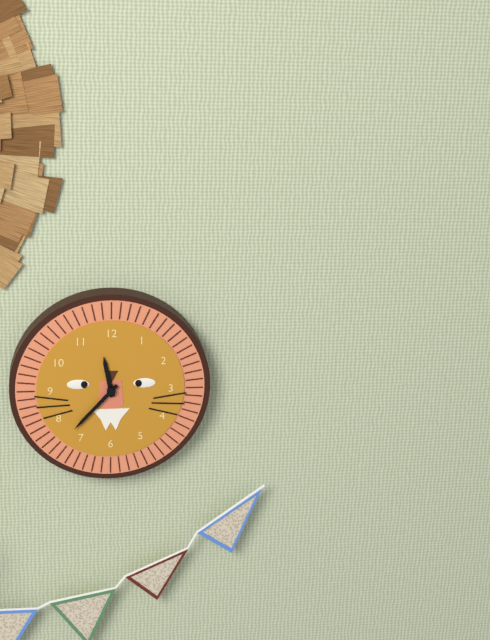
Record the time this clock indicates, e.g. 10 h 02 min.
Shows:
11 h 37 min
